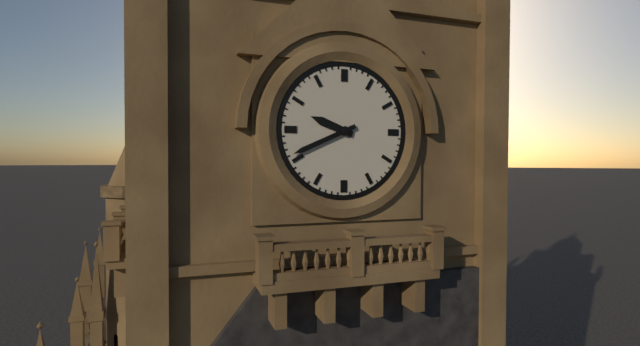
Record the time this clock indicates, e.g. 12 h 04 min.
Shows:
9 h 41 min
